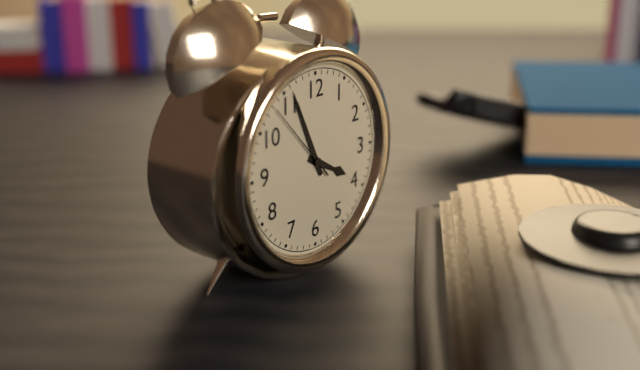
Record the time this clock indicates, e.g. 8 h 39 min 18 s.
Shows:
3 h 56 min 53 s
